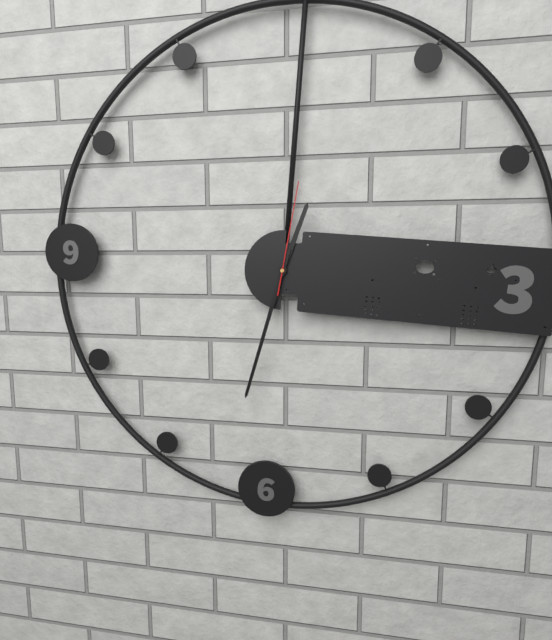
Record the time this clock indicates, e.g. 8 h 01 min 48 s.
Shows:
12 h 32 min 01 s
